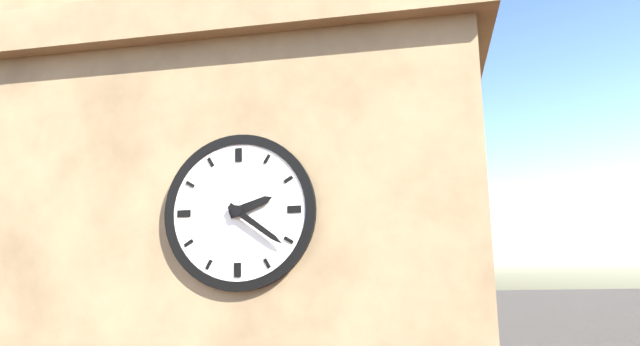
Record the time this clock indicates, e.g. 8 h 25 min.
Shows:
2 h 21 min
